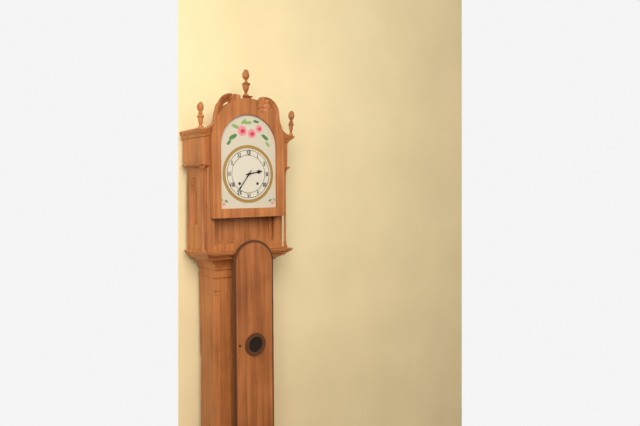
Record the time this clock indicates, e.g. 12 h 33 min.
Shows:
2 h 36 min
